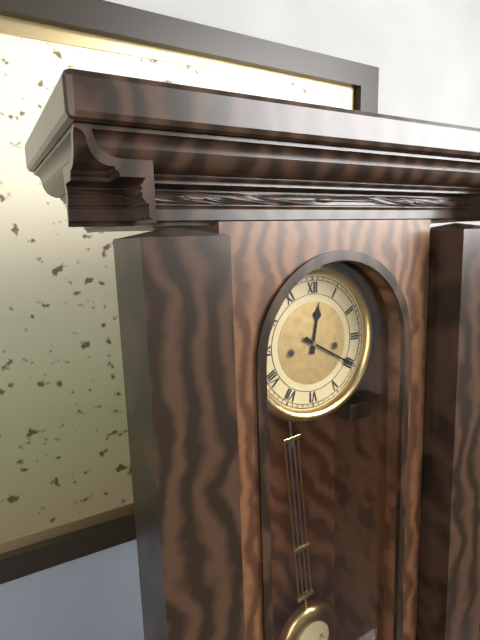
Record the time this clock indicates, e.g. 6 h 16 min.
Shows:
12 h 20 min
